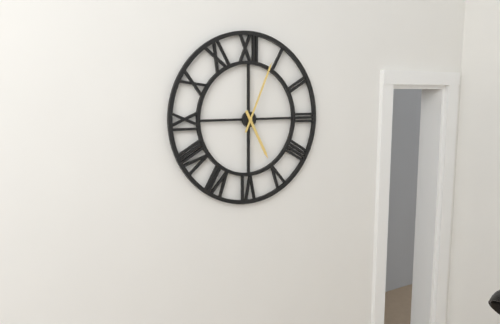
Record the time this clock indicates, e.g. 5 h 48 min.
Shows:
5 h 04 min
